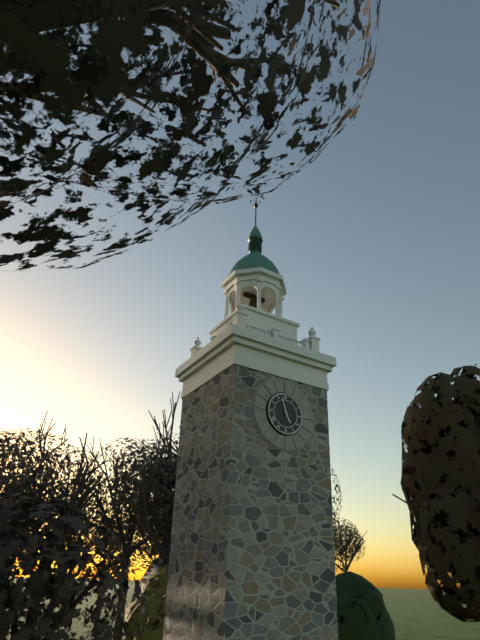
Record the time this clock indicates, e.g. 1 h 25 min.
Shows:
4 h 57 min
